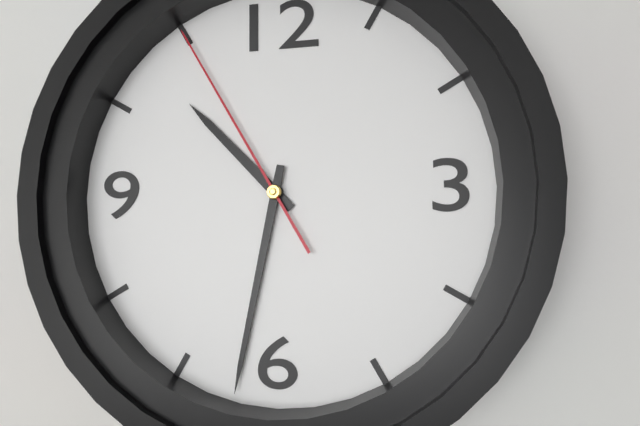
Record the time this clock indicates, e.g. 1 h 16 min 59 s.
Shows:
10 h 32 min 55 s
